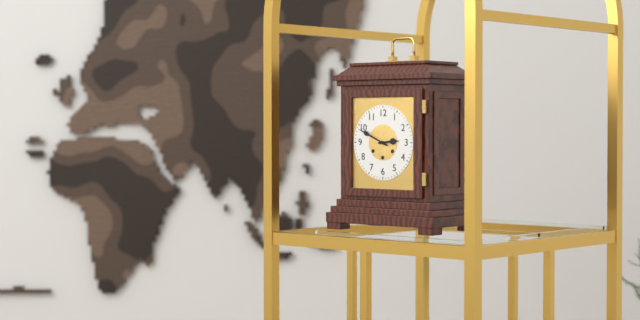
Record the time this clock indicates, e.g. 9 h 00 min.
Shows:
2 h 49 min
